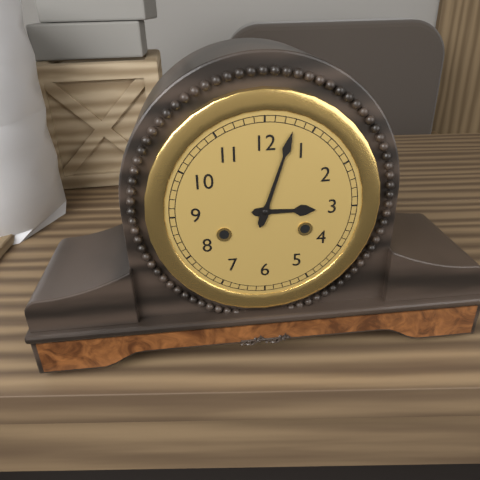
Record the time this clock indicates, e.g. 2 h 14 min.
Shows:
3 h 03 min
